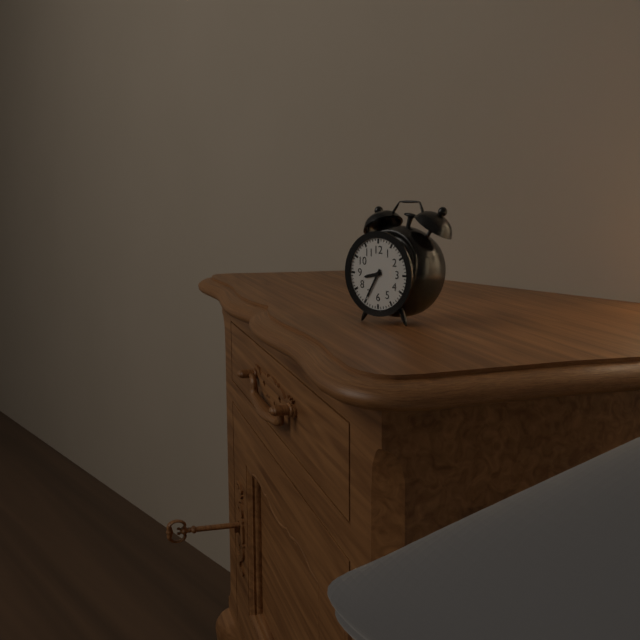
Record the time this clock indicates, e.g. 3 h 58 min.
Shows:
8 h 35 min
